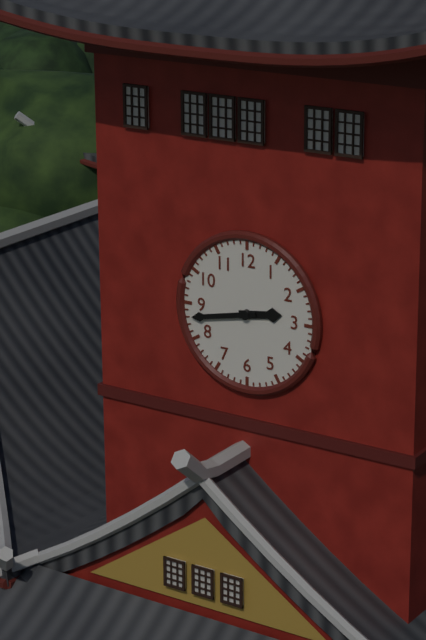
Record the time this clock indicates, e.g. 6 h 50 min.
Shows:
2 h 43 min
